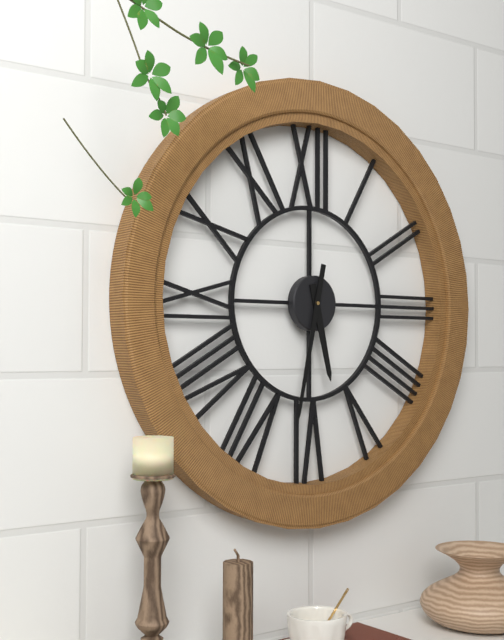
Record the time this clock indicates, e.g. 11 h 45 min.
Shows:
5 h 32 min
